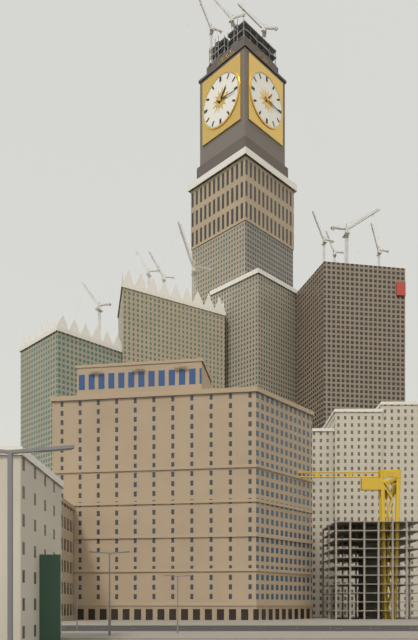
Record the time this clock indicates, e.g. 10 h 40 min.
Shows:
1 h 16 min
